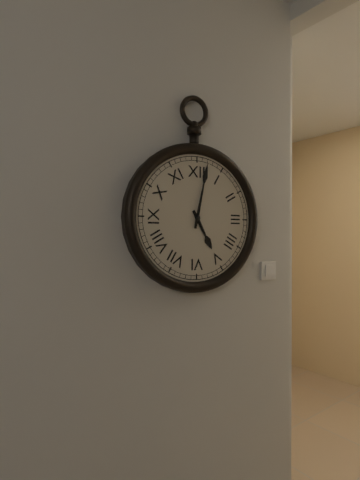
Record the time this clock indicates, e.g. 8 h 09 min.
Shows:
5 h 02 min
